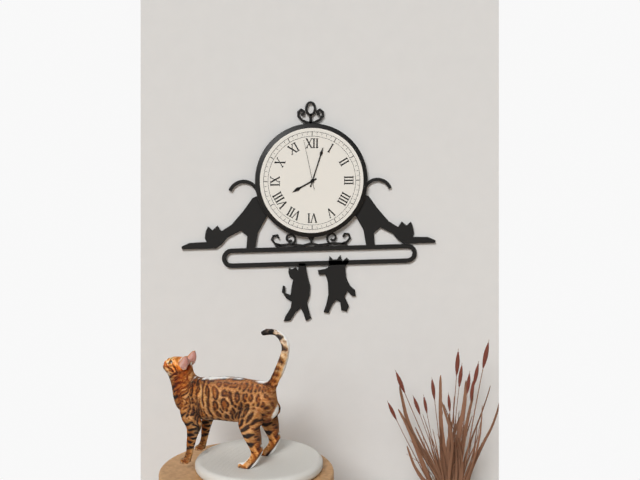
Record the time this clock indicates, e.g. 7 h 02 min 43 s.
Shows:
8 h 03 min 58 s
